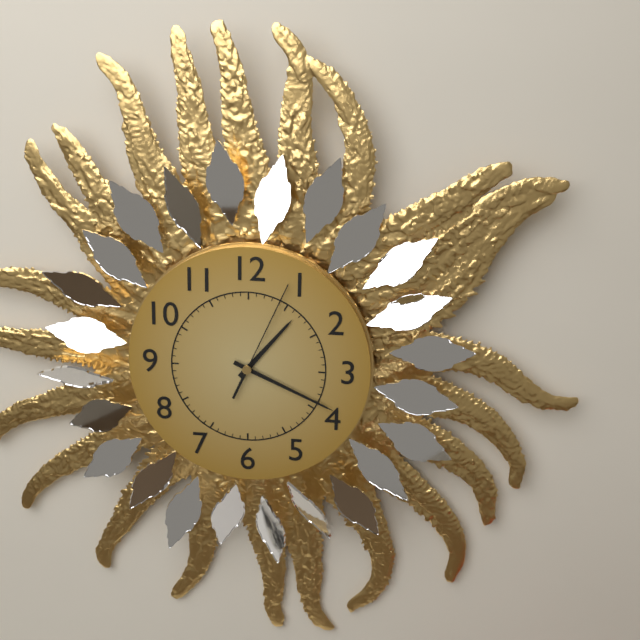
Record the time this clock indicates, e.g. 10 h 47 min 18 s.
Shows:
1 h 19 min 04 s
